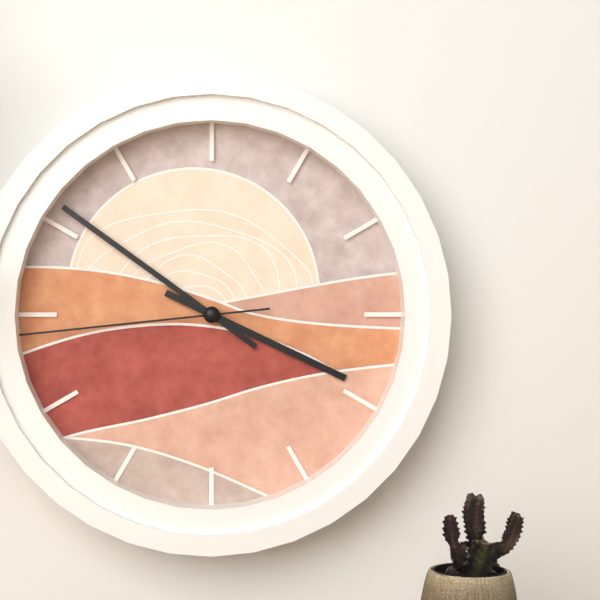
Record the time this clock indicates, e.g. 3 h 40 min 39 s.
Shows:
3 h 51 min 44 s
